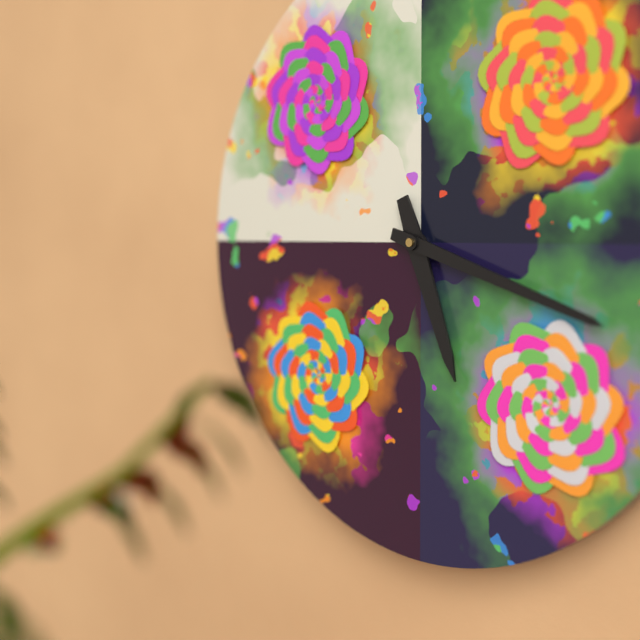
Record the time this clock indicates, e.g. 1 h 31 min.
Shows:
5 h 18 min
